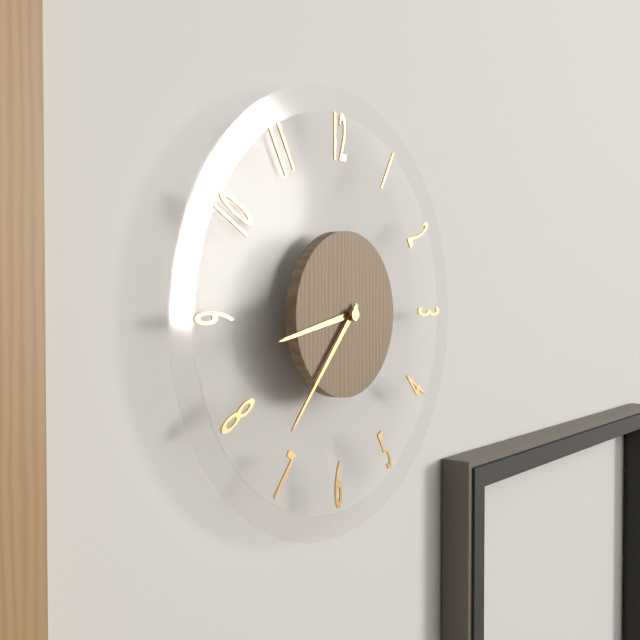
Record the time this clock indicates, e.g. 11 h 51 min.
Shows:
8 h 37 min
